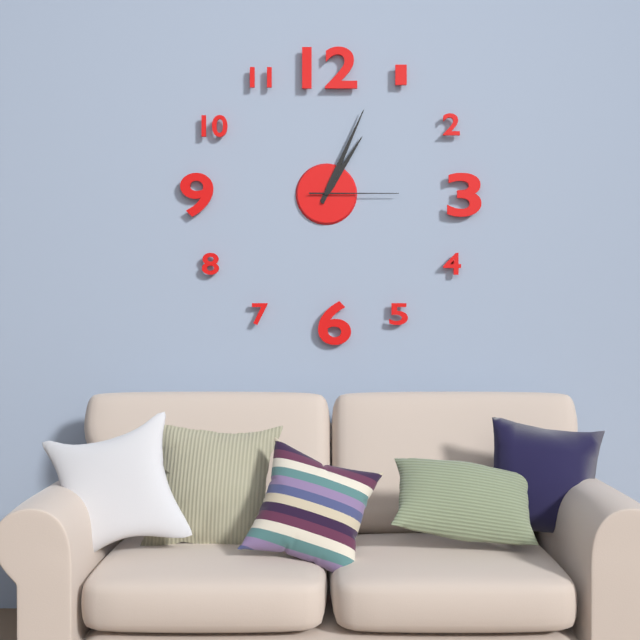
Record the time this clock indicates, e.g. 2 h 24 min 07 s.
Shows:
1 h 04 min 15 s
